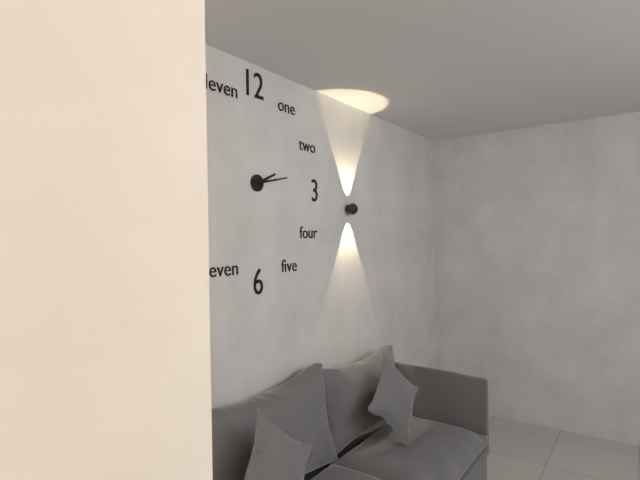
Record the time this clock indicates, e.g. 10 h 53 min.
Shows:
2 h 13 min
